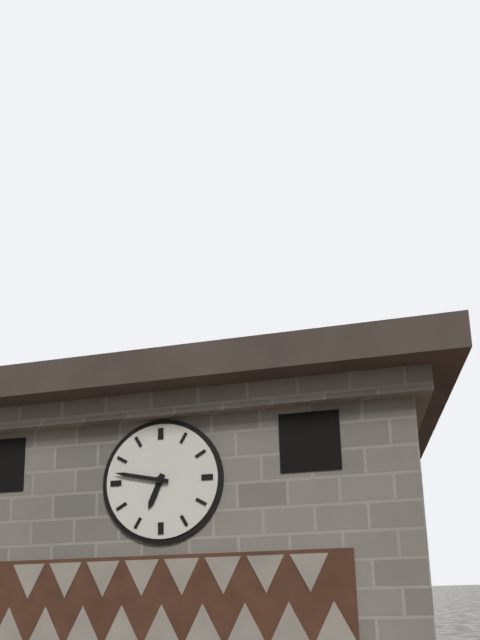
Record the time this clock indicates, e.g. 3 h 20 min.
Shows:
6 h 47 min
